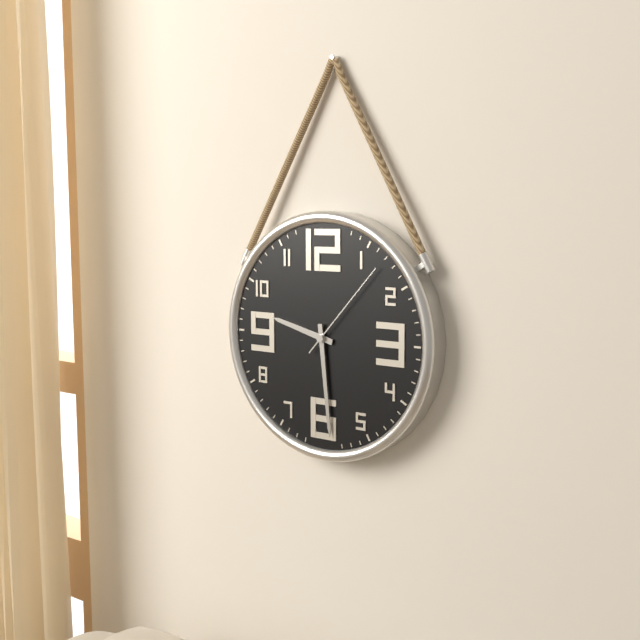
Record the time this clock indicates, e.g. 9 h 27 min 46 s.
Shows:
9 h 29 min 07 s
